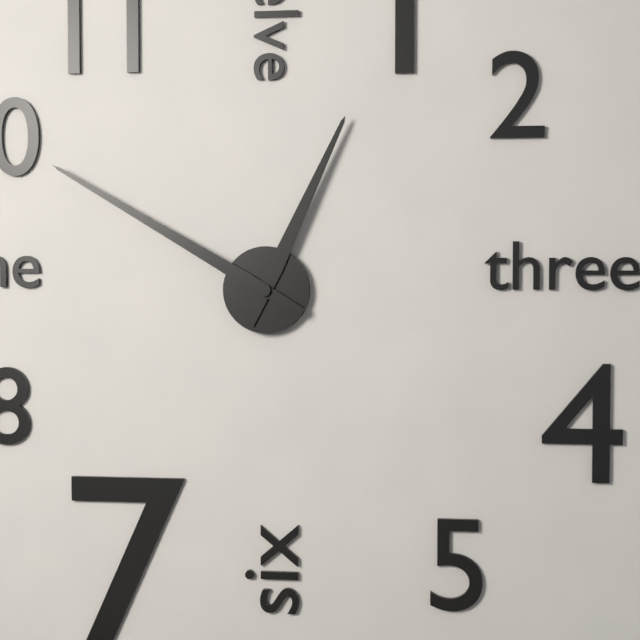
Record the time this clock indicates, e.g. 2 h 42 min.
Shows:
12 h 50 min
